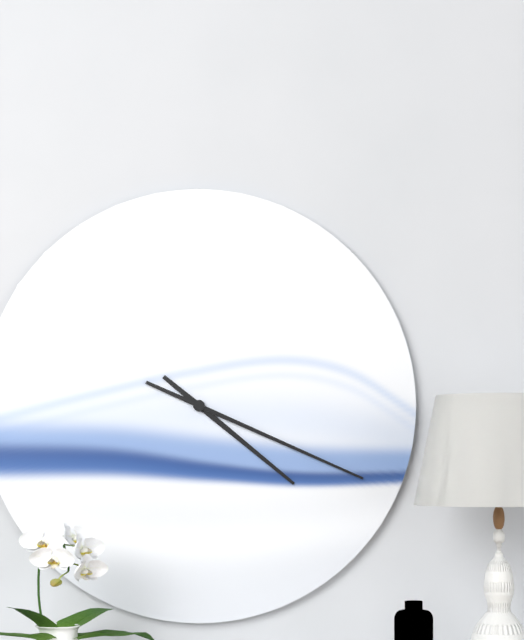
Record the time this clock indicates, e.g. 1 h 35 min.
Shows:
4 h 19 min
